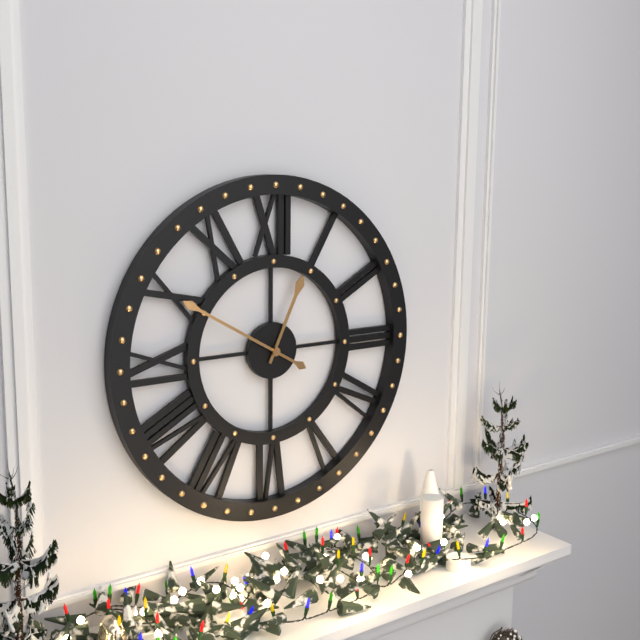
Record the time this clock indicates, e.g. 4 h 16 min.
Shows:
12 h 50 min
